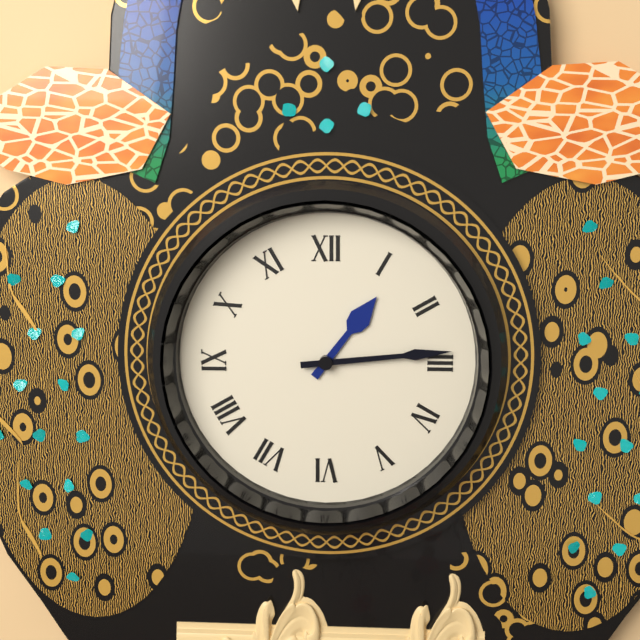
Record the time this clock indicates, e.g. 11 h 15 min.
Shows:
1 h 14 min
